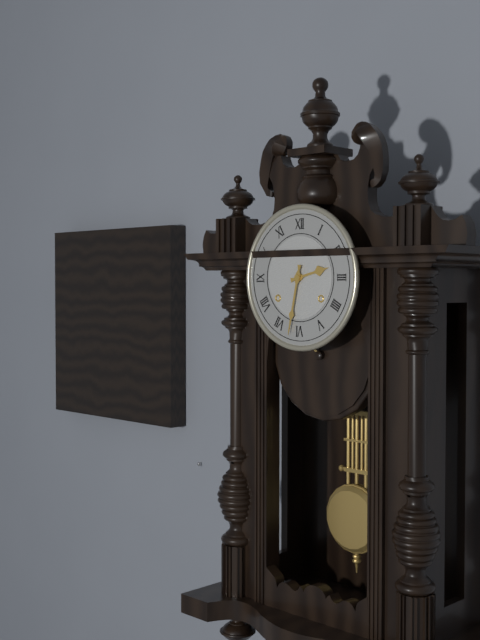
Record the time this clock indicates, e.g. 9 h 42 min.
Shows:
2 h 32 min
